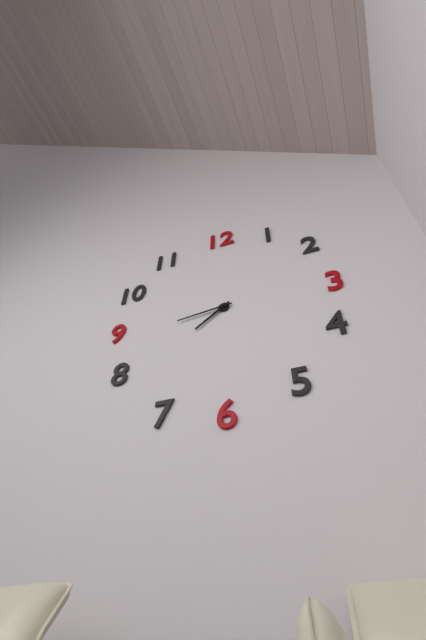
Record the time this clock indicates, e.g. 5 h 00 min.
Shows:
7 h 44 min
